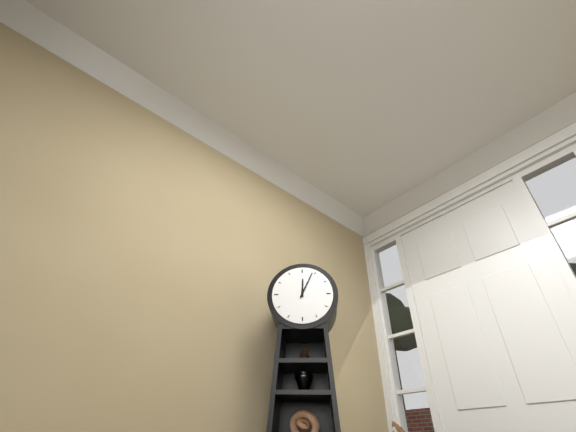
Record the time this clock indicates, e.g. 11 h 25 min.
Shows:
12 h 04 min
